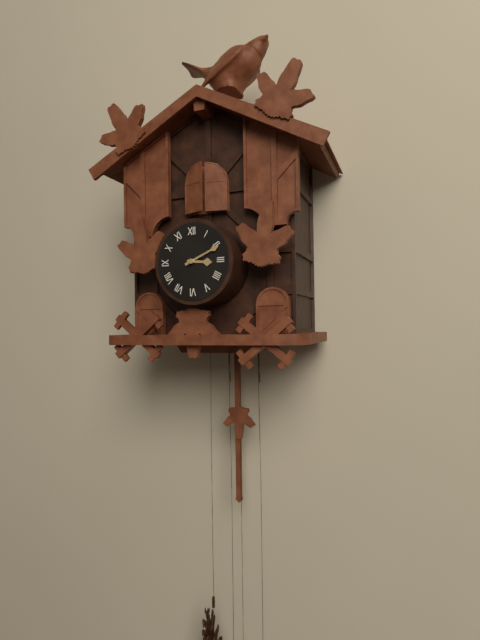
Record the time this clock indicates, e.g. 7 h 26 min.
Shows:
3 h 11 min
